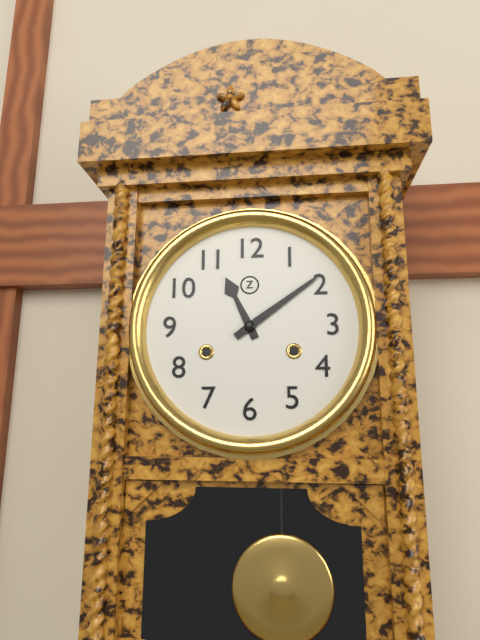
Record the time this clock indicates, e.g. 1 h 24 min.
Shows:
11 h 09 min
